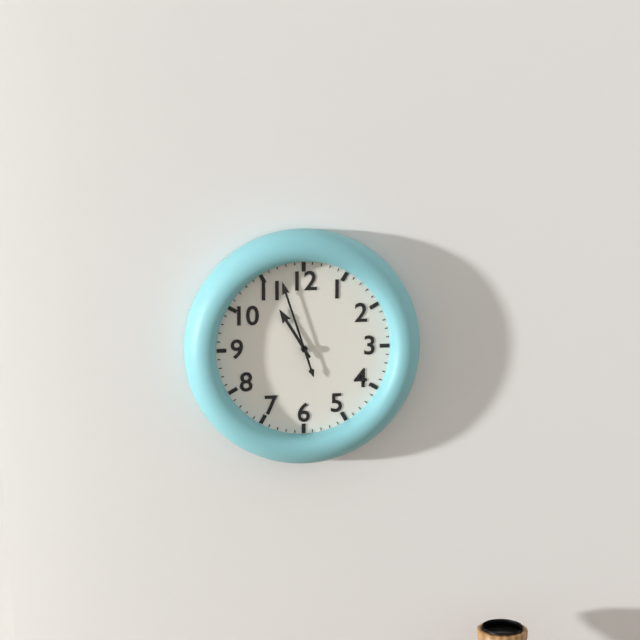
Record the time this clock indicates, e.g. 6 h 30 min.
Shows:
10 h 57 min
